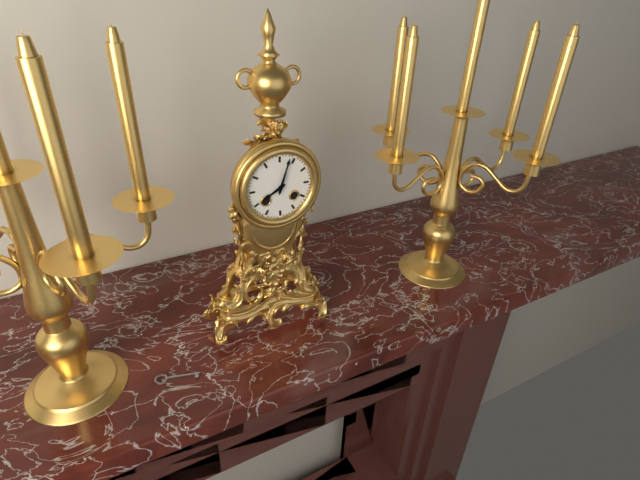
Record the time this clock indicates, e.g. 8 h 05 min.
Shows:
8 h 03 min
